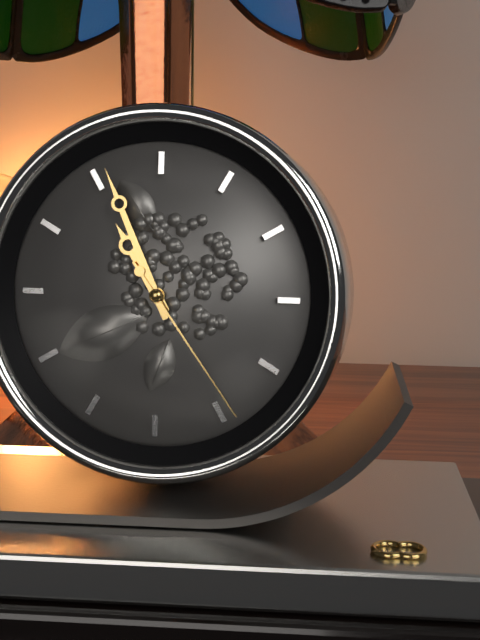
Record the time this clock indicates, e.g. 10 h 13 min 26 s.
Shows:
10 h 56 min 24 s
